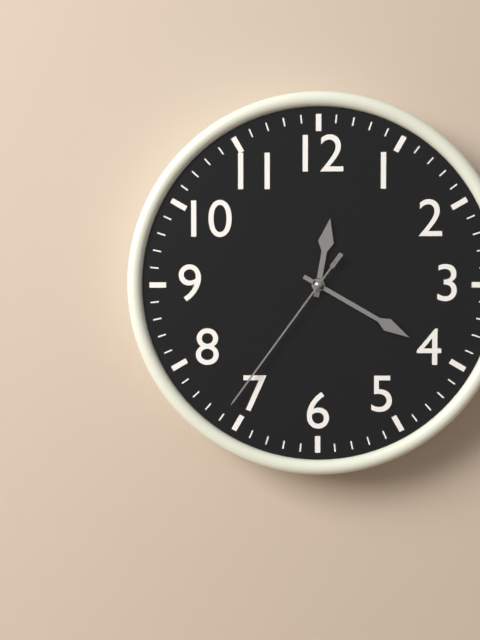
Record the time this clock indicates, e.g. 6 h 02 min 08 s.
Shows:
12 h 20 min 36 s
